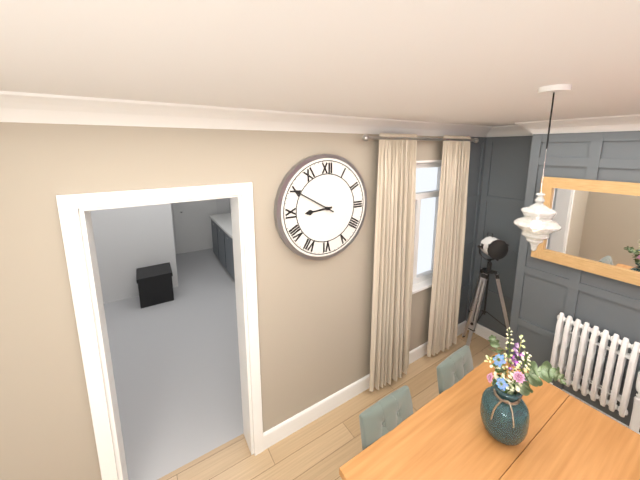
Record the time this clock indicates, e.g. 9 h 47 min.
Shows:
8 h 50 min
